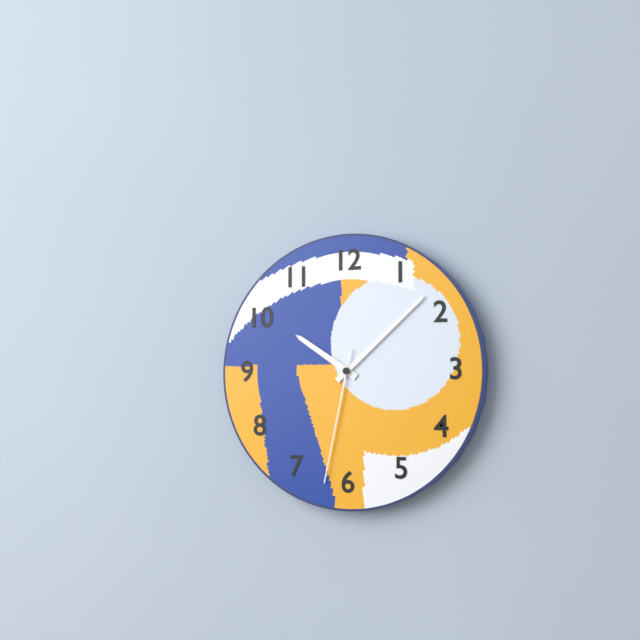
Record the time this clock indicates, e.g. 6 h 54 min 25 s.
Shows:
10 h 08 min 32 s
